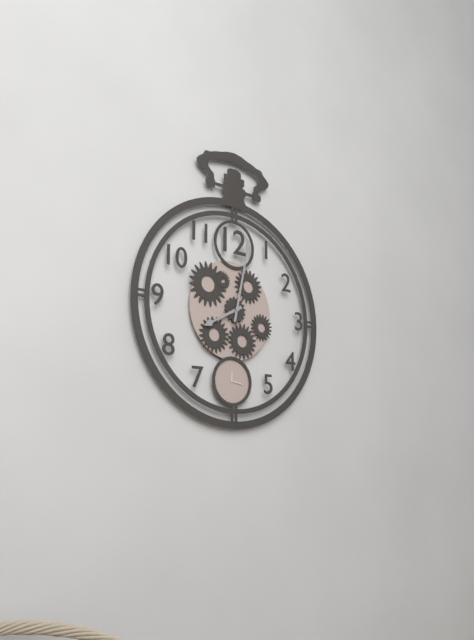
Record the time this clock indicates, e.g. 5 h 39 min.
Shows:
8 h 02 min
